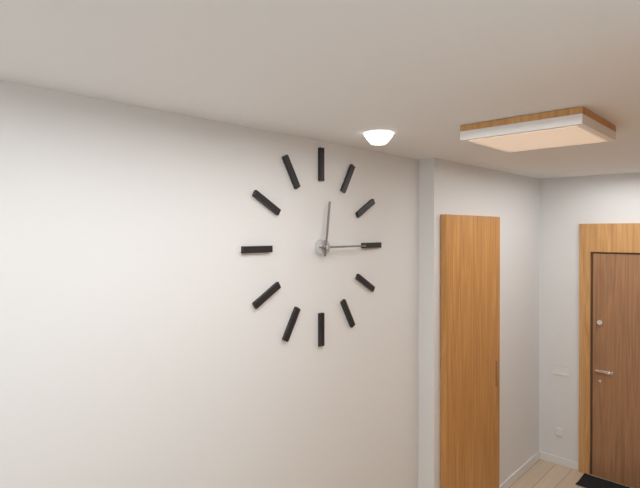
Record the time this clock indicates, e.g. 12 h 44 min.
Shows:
12 h 15 min
